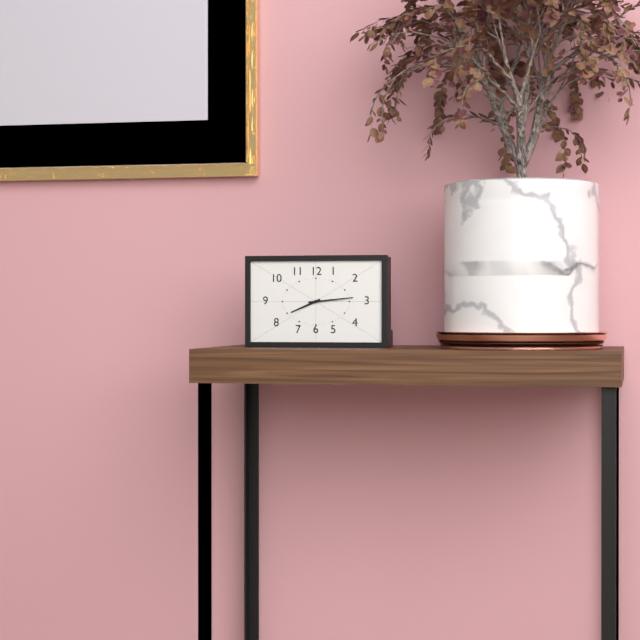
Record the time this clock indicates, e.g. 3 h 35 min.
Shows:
8 h 14 min
